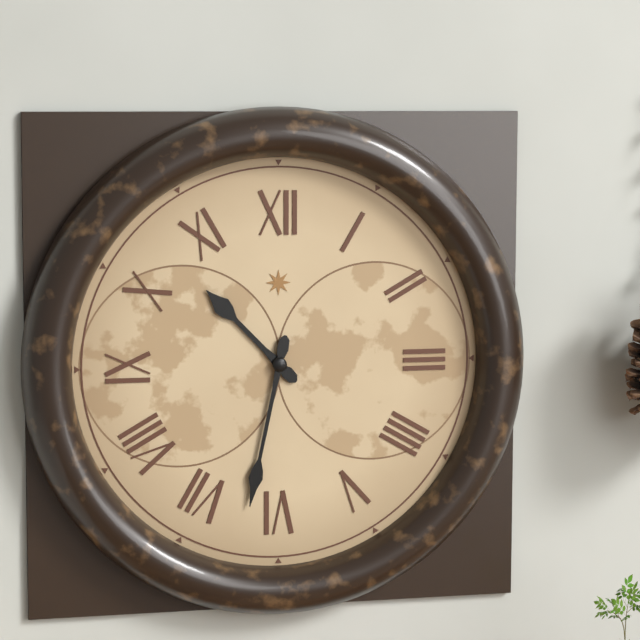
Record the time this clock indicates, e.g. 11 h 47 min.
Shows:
10 h 32 min
